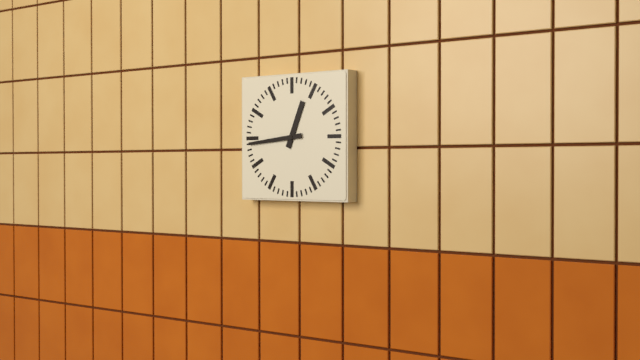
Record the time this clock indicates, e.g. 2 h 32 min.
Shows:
12 h 44 min
